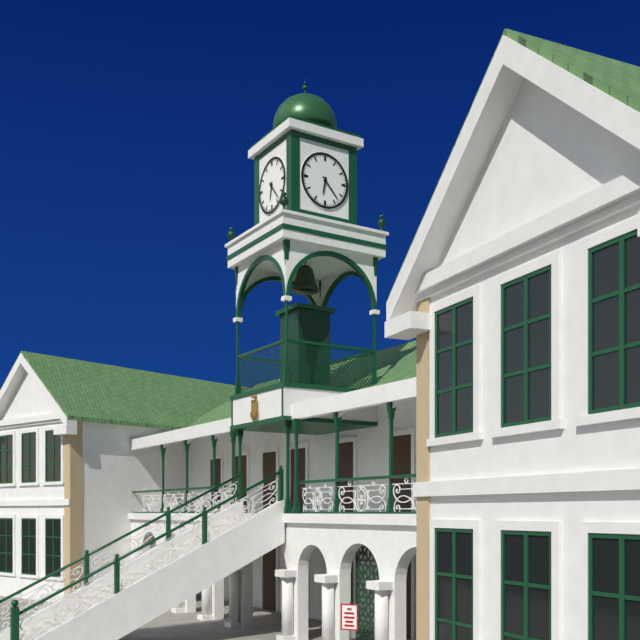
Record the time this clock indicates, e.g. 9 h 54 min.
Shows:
6 h 23 min
